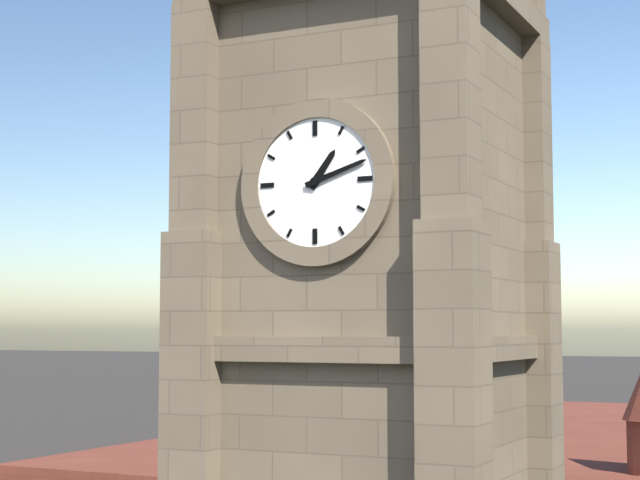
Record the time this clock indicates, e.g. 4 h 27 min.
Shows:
1 h 12 min
